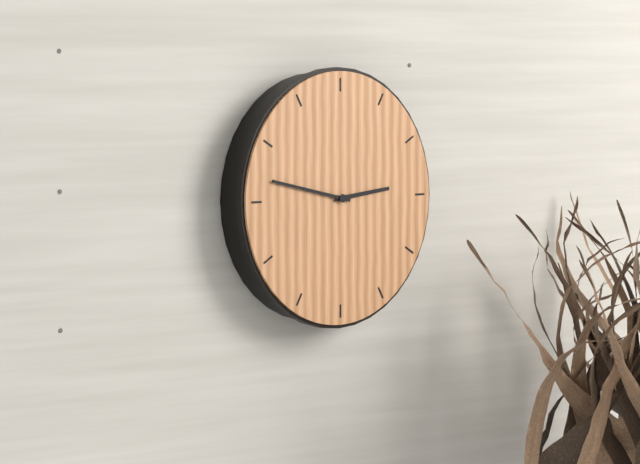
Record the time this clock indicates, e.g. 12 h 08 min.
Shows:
2 h 47 min
